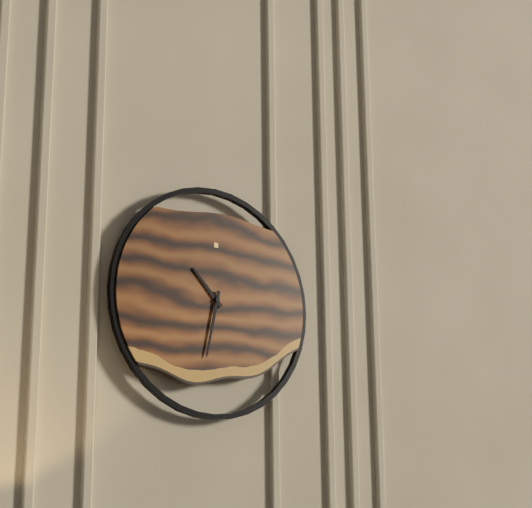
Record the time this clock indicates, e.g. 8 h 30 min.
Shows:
10 h 32 min
